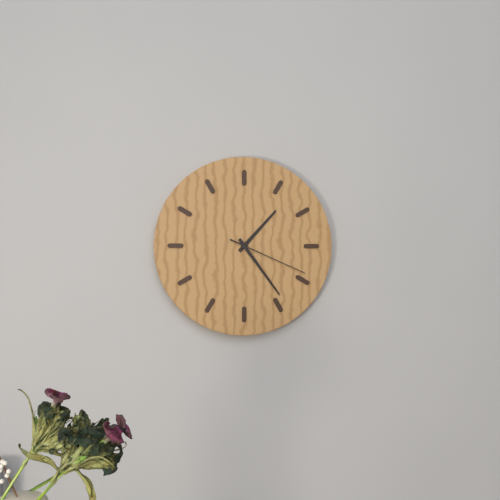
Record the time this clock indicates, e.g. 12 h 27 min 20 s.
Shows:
1 h 24 min 19 s
